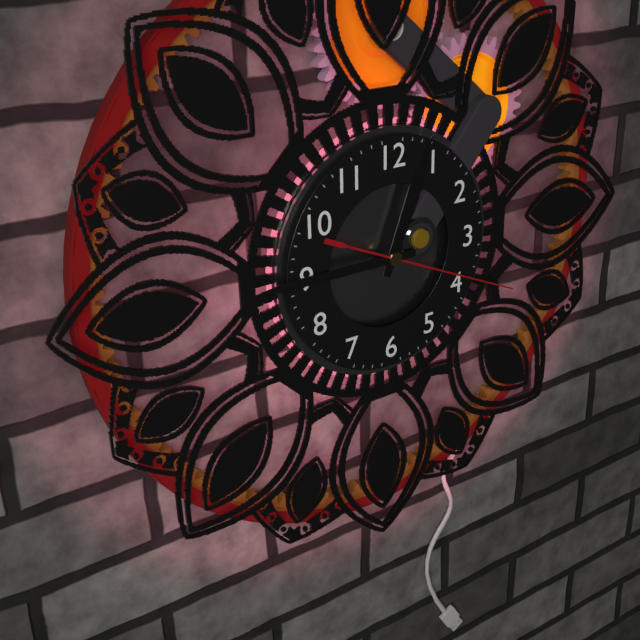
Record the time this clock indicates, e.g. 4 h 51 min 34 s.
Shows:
12 h 45 min 19 s
